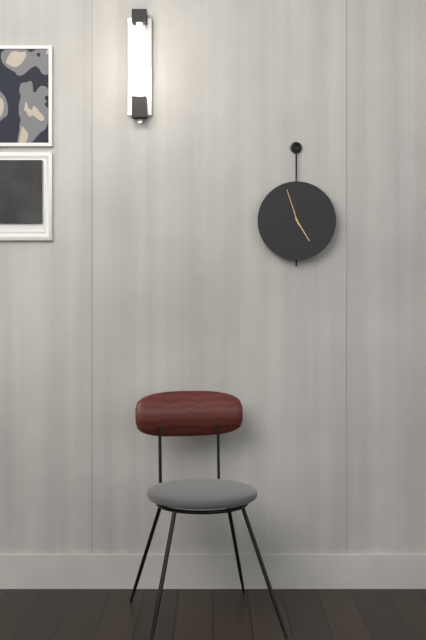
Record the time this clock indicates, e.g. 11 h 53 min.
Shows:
4 h 57 min
